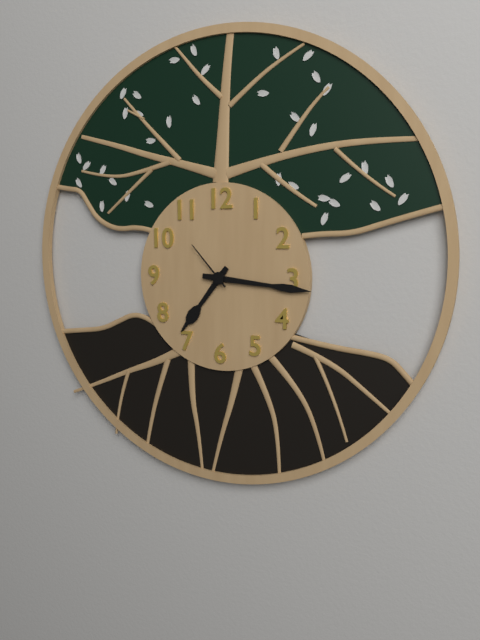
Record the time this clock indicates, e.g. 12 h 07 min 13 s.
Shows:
7 h 16 min 53 s
